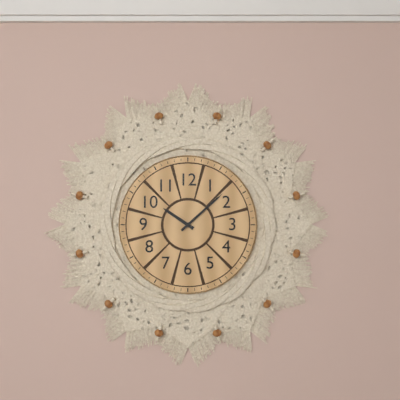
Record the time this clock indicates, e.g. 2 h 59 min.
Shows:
10 h 08 min
